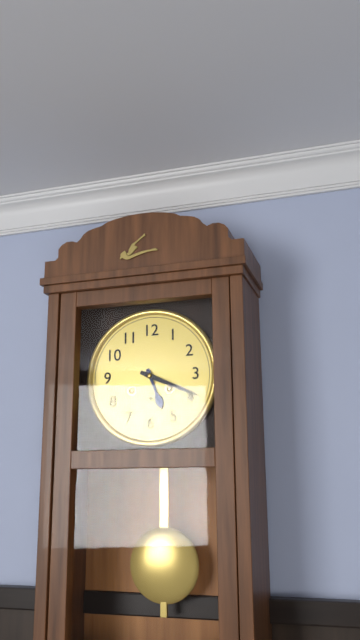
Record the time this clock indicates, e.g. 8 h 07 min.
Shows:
5 h 19 min
